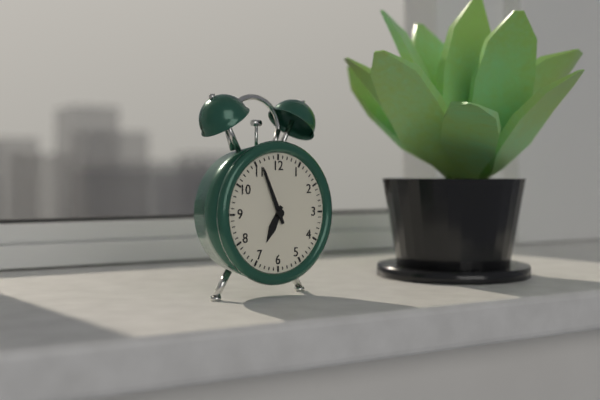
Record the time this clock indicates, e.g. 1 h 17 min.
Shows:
6 h 56 min
